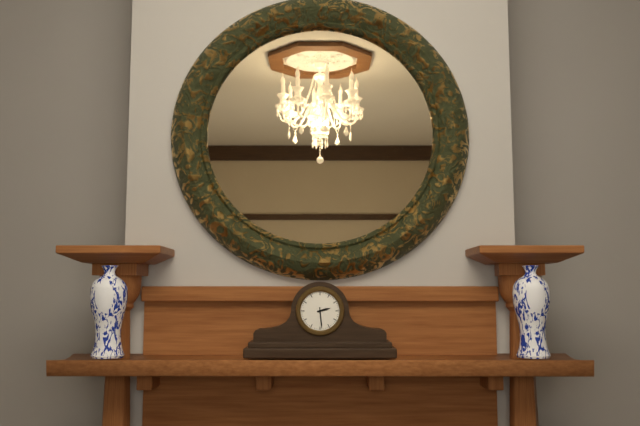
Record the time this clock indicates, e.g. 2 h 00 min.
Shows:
2 h 29 min
